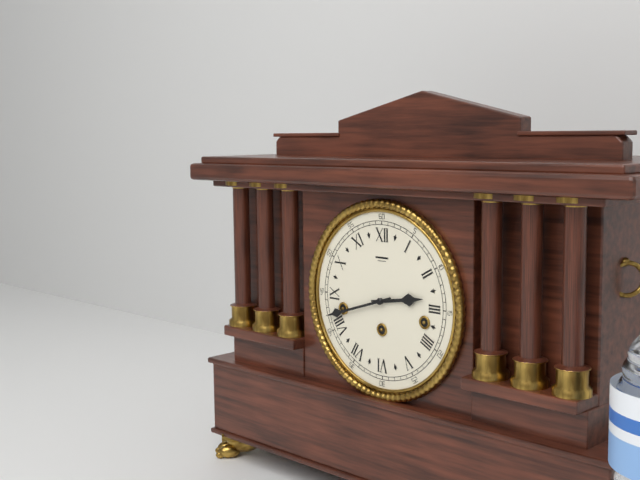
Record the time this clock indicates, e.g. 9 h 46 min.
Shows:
2 h 42 min
